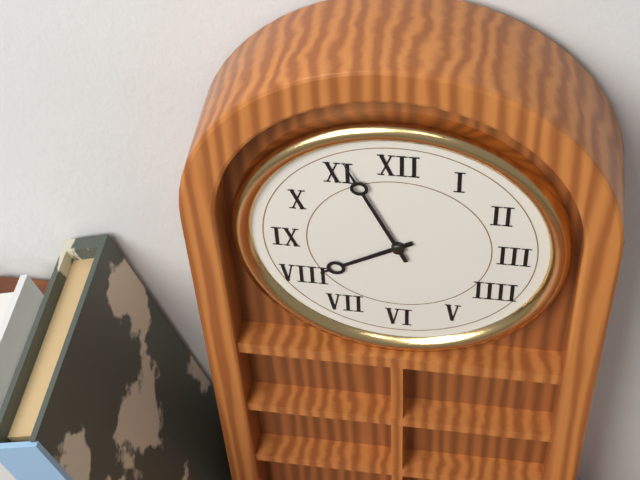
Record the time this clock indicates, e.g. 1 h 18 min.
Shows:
7 h 56 min
